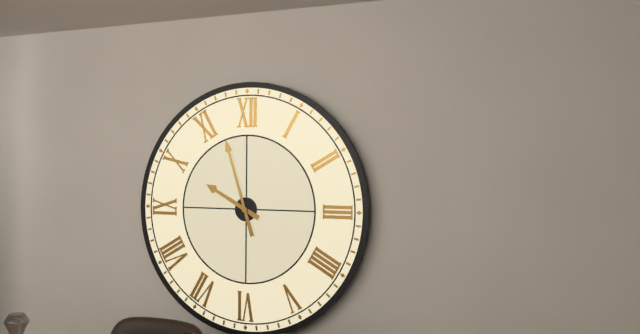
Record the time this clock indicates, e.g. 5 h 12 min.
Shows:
9 h 57 min
